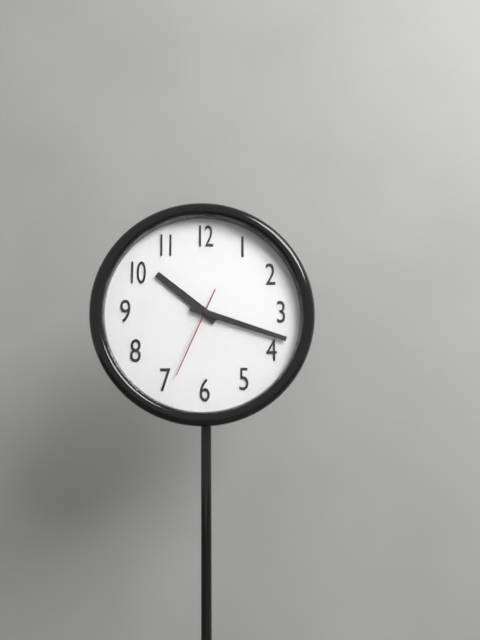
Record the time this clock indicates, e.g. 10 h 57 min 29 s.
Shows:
10 h 18 min 34 s
